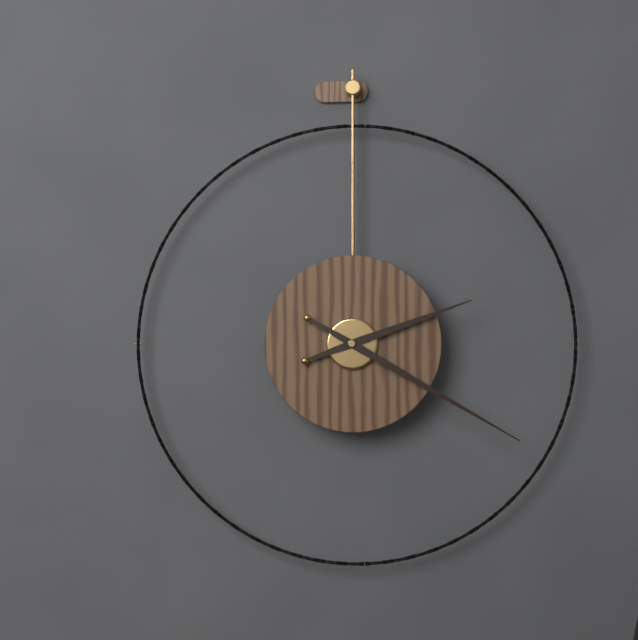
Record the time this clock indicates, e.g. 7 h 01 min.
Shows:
2 h 20 min
